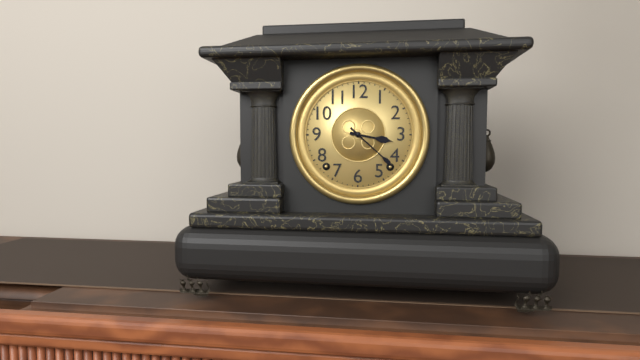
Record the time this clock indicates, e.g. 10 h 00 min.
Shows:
3 h 22 min
